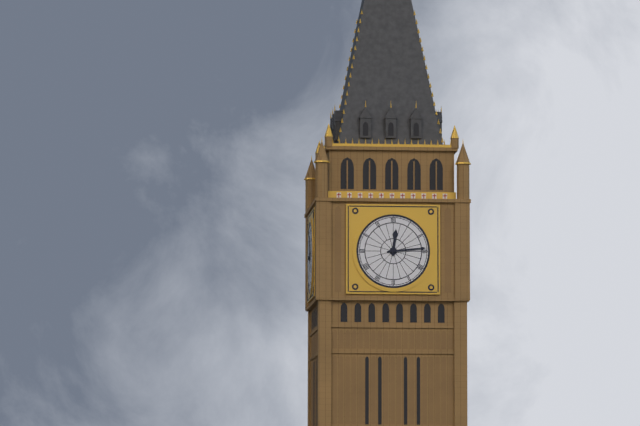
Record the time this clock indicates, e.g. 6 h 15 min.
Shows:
12 h 14 min
